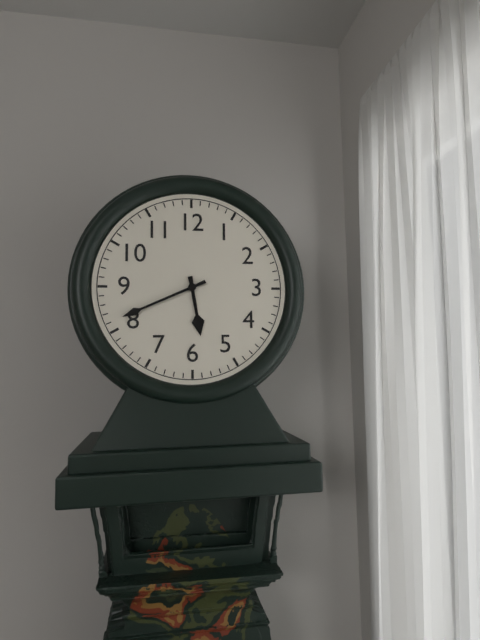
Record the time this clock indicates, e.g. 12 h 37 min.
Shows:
5 h 41 min
